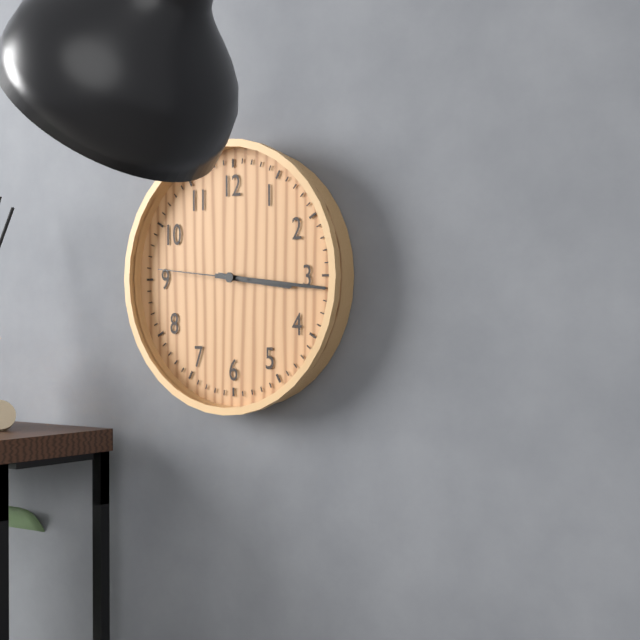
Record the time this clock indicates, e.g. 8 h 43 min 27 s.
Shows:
3 h 16 min 46 s
